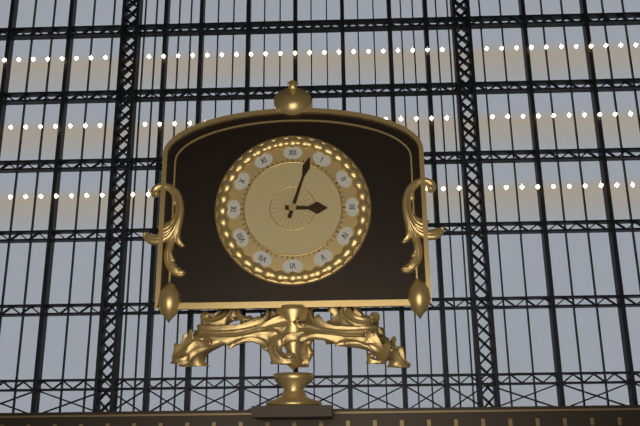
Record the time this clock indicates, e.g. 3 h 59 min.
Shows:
3 h 03 min
